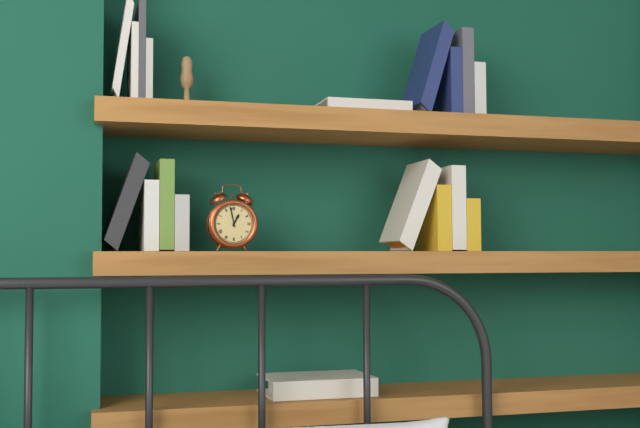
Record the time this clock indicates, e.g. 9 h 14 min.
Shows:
12 h 58 min
